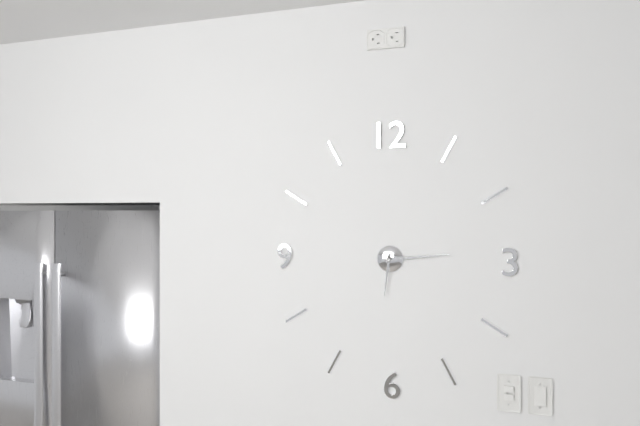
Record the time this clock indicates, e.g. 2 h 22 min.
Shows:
6 h 14 min
